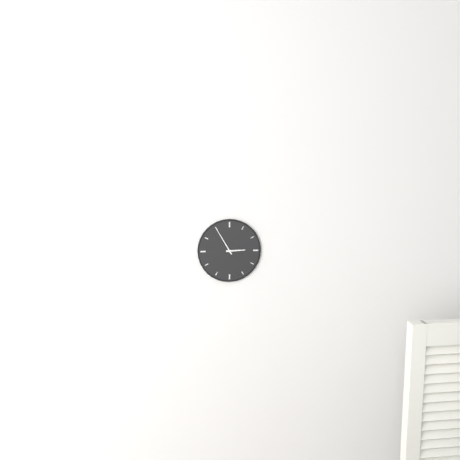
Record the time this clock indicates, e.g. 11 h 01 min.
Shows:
2 h 55 min
